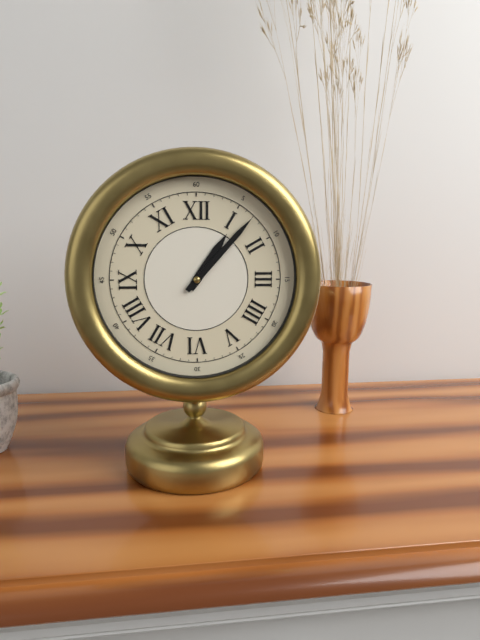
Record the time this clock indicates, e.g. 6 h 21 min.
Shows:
1 h 07 min
